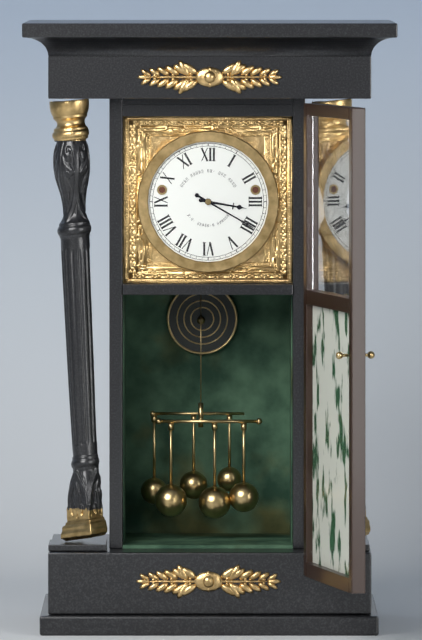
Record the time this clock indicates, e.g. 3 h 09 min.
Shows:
3 h 20 min
